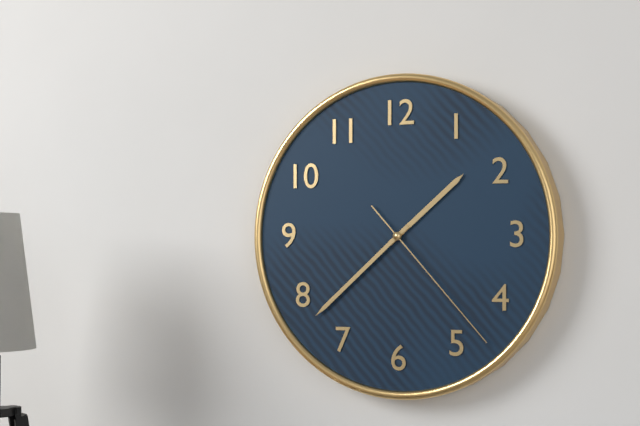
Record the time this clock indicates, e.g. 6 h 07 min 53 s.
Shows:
1 h 38 min 23 s
